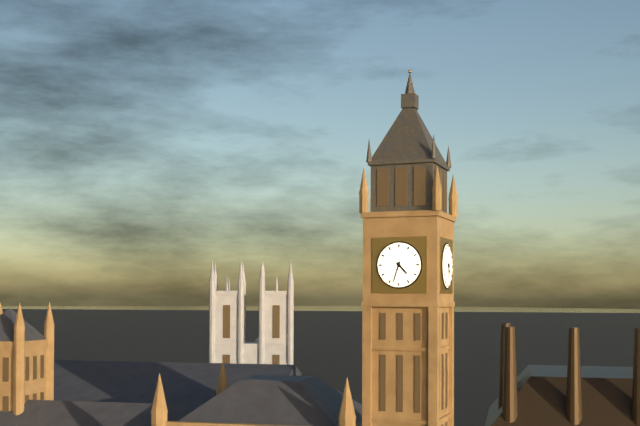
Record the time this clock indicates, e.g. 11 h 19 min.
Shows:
4 h 33 min
